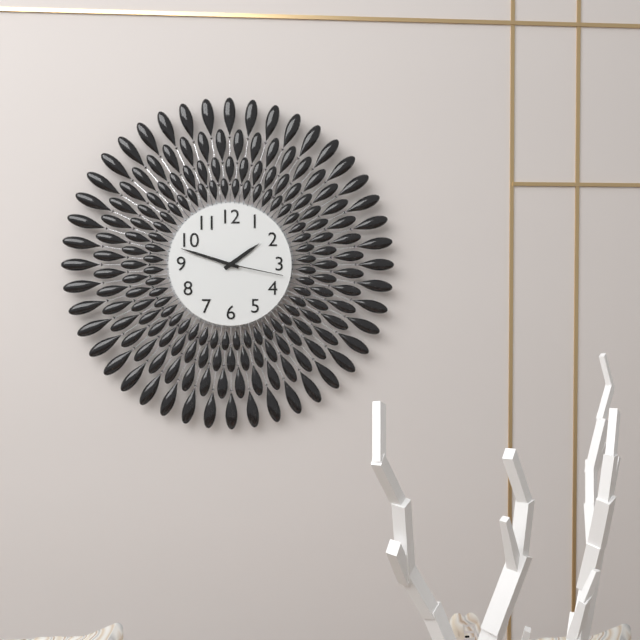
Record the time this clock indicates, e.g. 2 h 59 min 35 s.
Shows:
1 h 48 min 17 s
